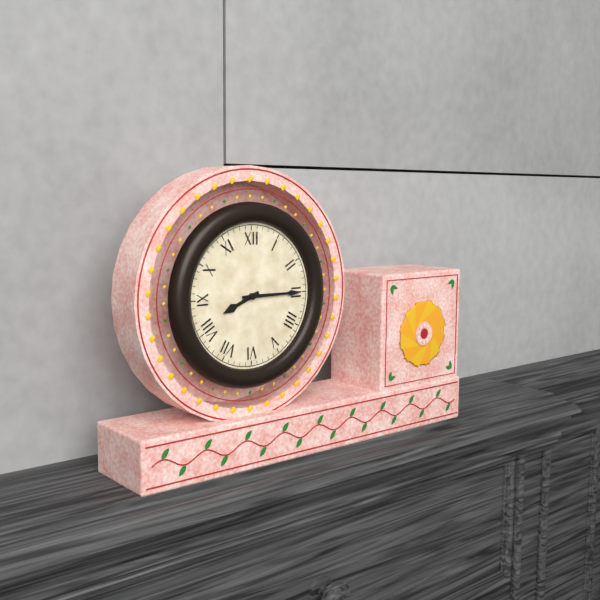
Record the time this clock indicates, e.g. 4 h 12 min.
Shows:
8 h 15 min
